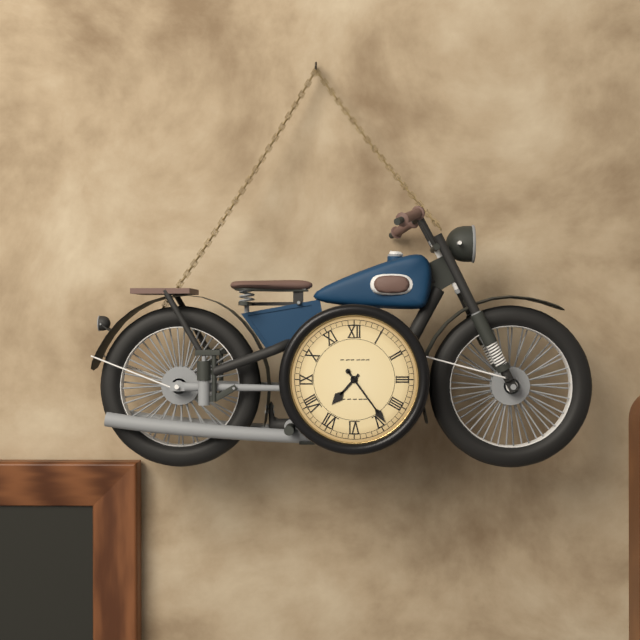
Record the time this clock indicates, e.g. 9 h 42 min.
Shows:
7 h 24 min
